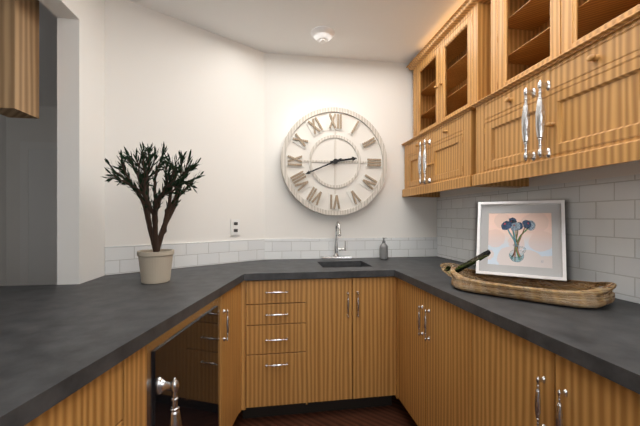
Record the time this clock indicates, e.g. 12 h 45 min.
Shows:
2 h 41 min
